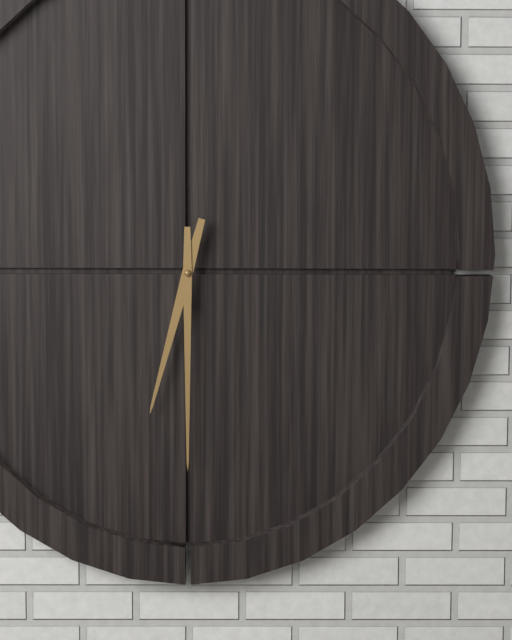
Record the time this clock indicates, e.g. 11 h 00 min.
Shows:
6 h 30 min
